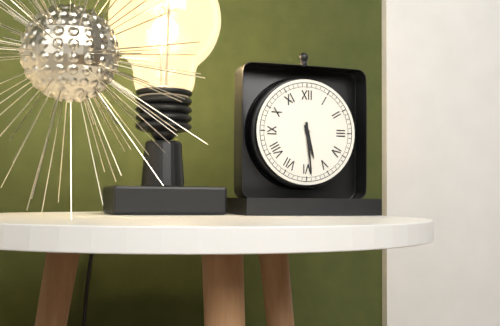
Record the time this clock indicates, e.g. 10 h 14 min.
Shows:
5 h 29 min
